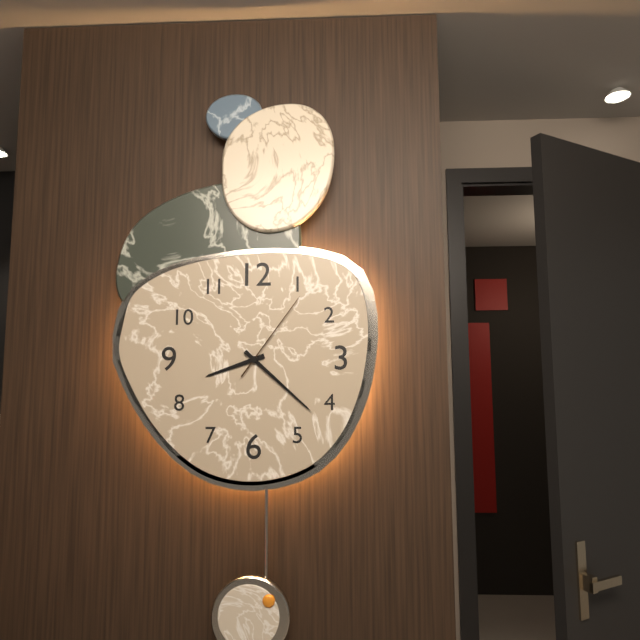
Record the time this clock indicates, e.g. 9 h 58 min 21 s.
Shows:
8 h 22 min 06 s
